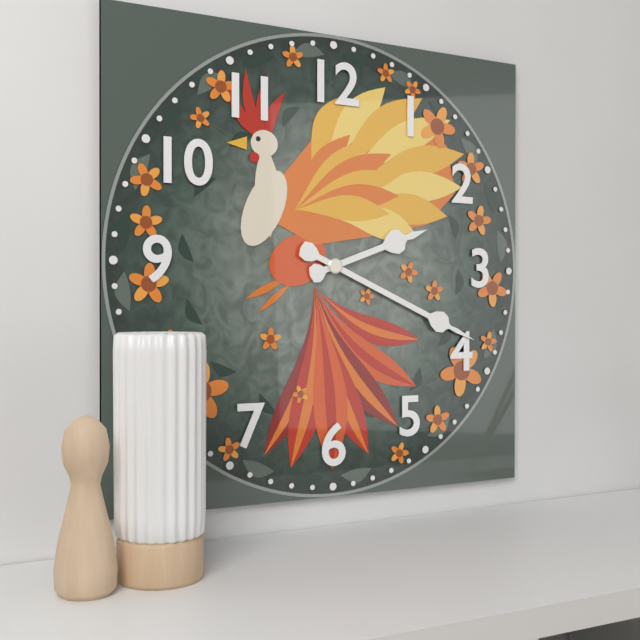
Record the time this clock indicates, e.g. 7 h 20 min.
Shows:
2 h 19 min
